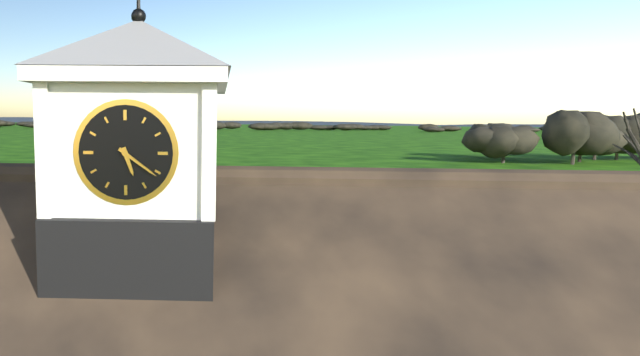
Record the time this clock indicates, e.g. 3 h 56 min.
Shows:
5 h 21 min
